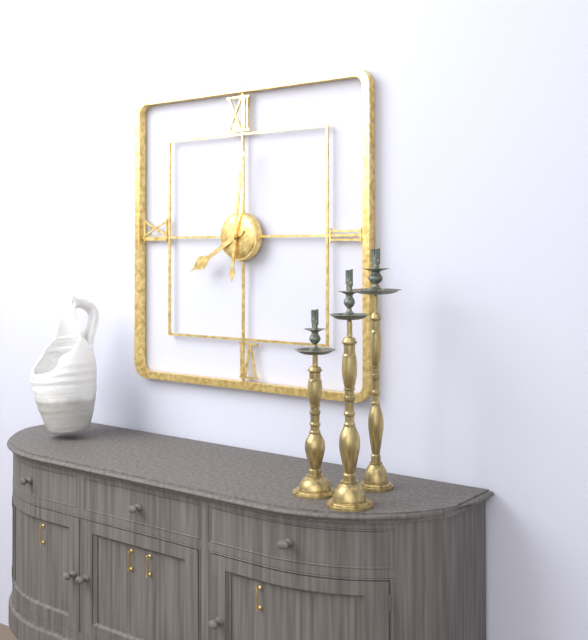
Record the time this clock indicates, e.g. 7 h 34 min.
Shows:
8 h 01 min
